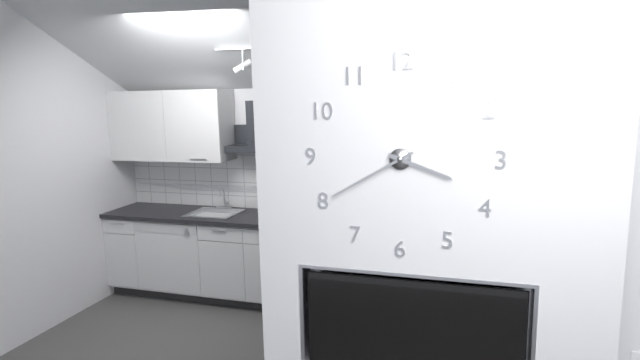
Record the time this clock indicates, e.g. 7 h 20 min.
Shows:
3 h 40 min
